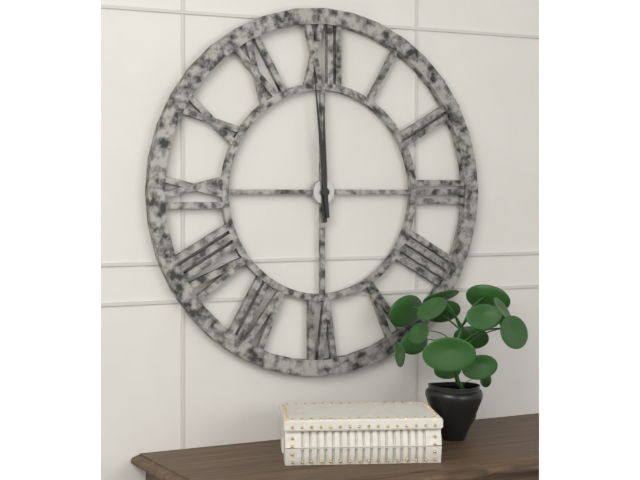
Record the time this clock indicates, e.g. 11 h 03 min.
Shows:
11 h 59 min
